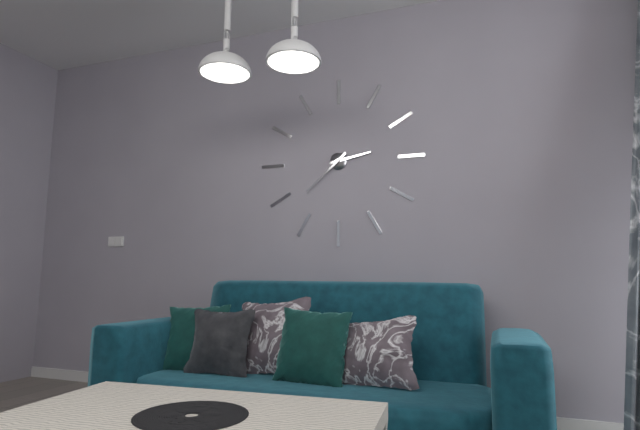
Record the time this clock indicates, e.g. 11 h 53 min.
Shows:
2 h 38 min
